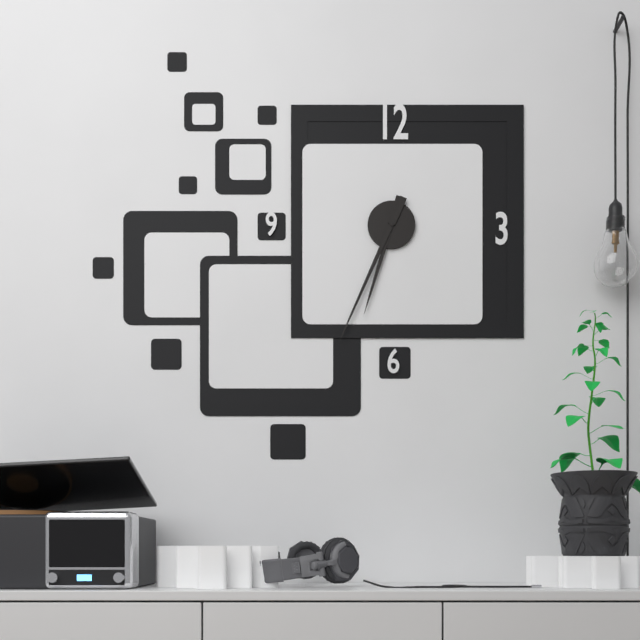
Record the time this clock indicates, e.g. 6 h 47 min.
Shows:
6 h 34 min
